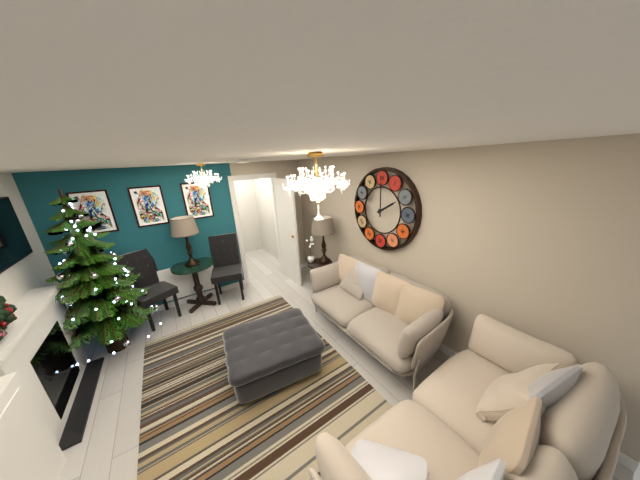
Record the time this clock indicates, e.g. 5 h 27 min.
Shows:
2 h 00 min
